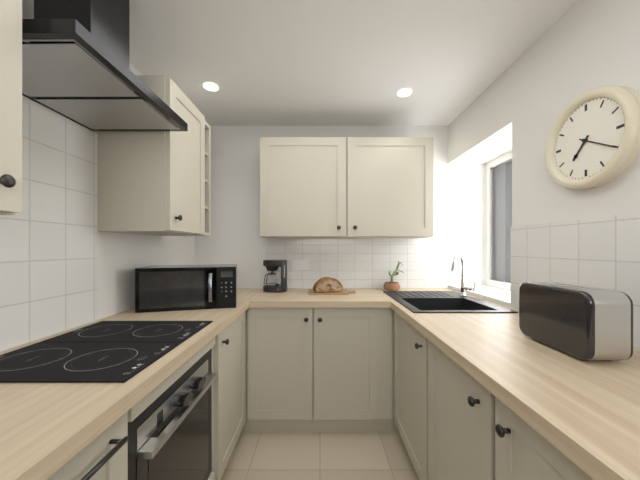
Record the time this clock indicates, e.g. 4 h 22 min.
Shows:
7 h 20 min
